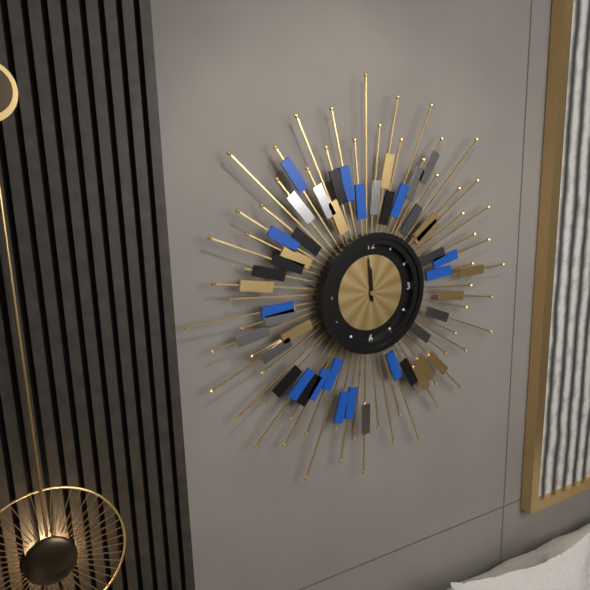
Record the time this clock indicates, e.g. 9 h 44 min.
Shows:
11 h 59 min
